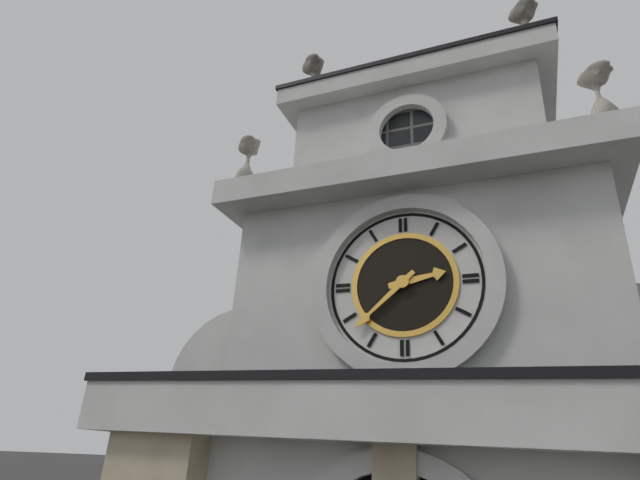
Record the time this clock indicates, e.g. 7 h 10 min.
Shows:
2 h 38 min
